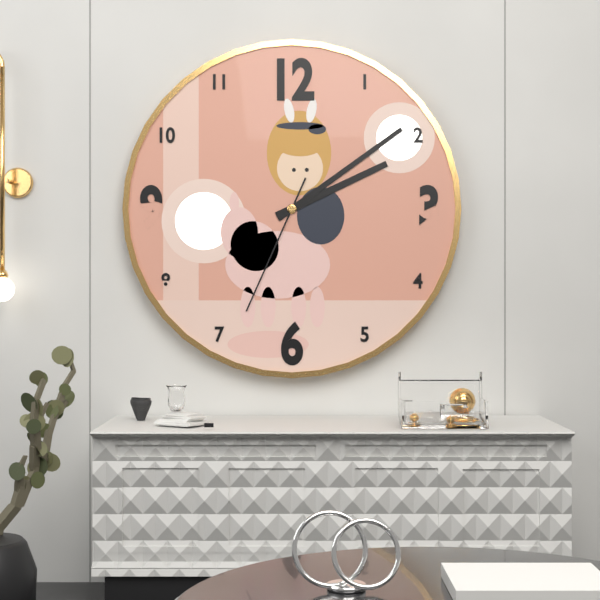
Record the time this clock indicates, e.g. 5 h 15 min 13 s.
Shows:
2 h 09 min 34 s
